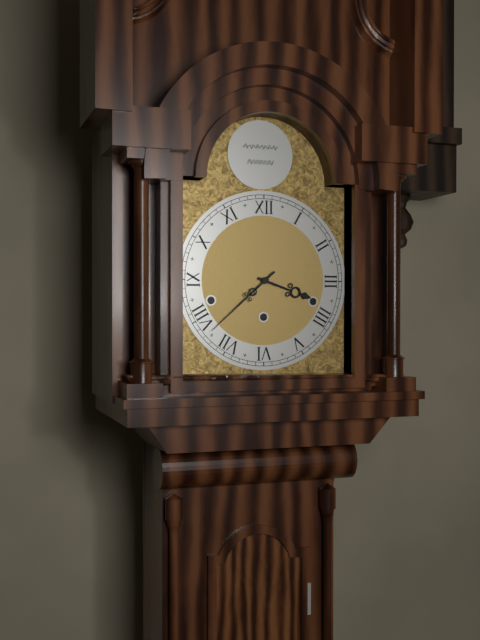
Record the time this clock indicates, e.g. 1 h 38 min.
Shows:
3 h 38 min
